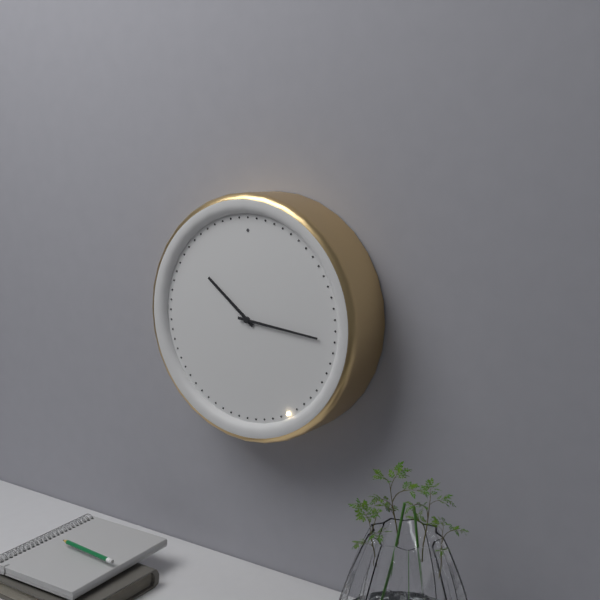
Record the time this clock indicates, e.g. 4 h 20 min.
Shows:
10 h 16 min
